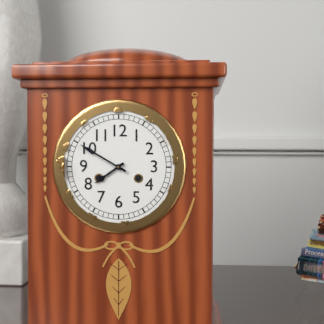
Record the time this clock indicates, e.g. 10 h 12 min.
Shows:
7 h 50 min
